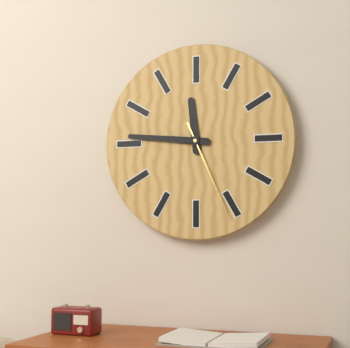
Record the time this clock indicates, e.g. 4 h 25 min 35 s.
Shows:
11 h 46 min 26 s
